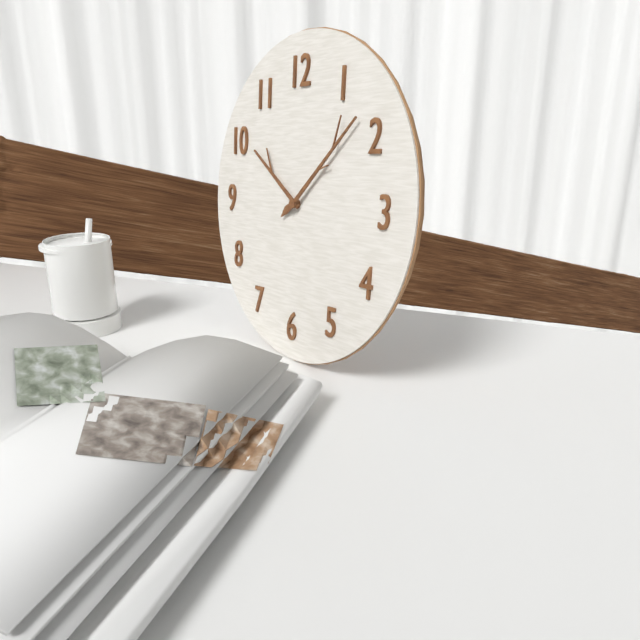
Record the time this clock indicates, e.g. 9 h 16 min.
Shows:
10 h 08 min
